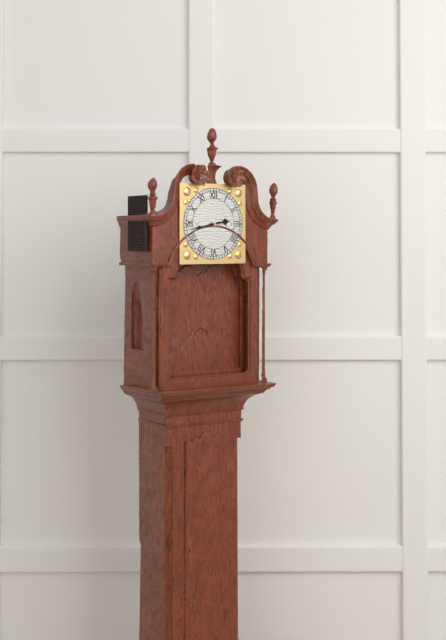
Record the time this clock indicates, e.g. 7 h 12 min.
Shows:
2 h 43 min
